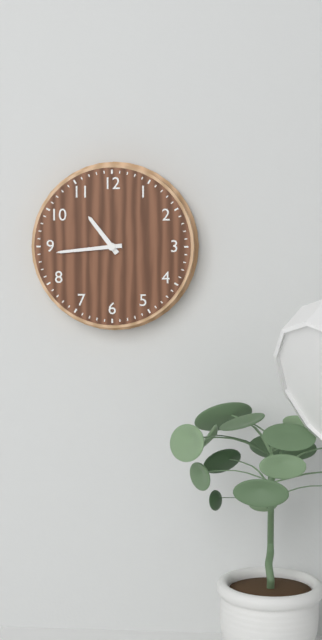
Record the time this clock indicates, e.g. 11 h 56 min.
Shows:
10 h 44 min
